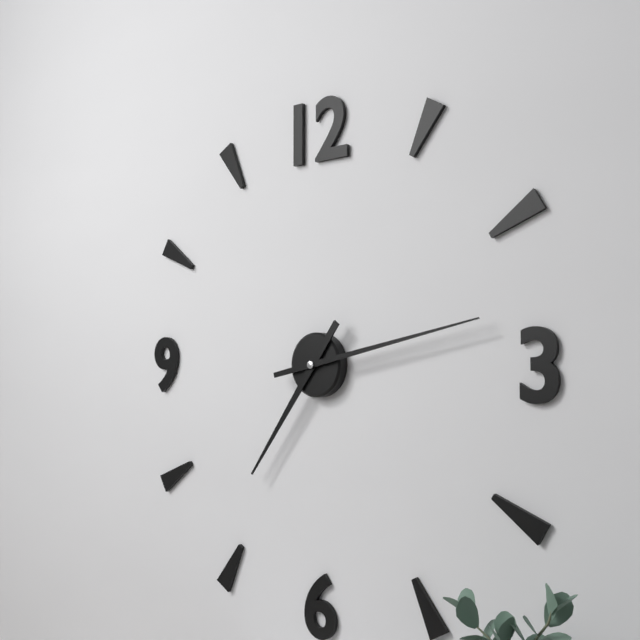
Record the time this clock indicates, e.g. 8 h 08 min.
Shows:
7 h 13 min
